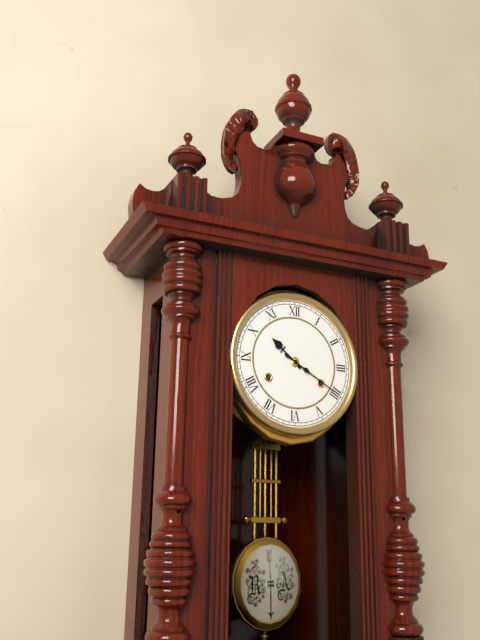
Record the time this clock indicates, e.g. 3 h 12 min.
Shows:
10 h 20 min
